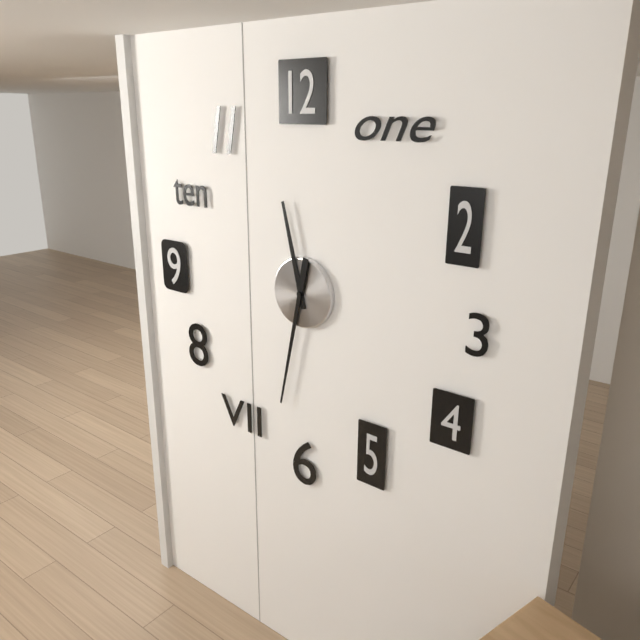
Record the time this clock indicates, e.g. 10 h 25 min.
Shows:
11 h 32 min
